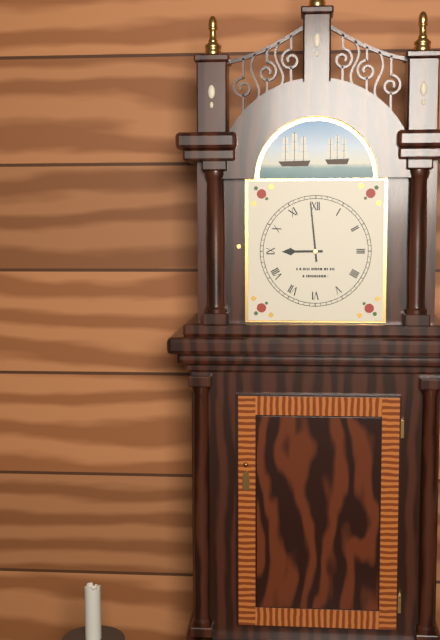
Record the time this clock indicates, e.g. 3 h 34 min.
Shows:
8 h 59 min
